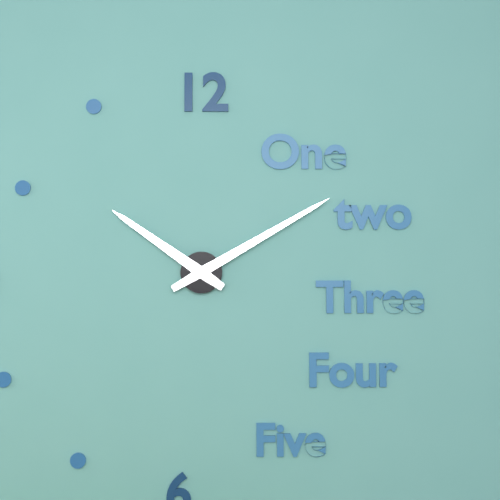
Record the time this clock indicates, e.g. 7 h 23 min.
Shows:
10 h 10 min
